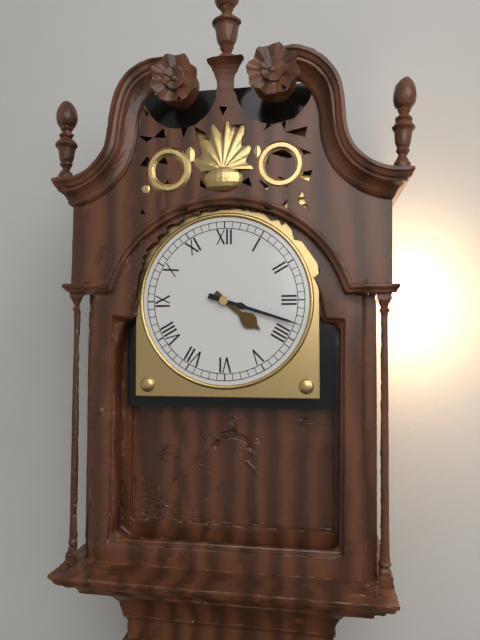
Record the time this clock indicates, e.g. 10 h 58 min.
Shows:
4 h 18 min
